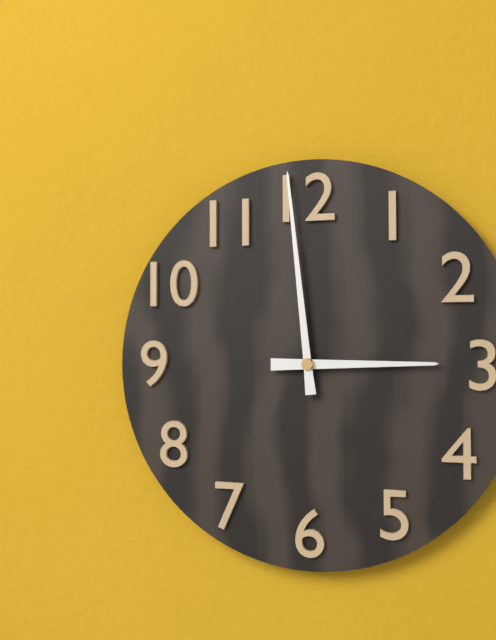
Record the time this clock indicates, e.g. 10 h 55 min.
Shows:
2 h 59 min
